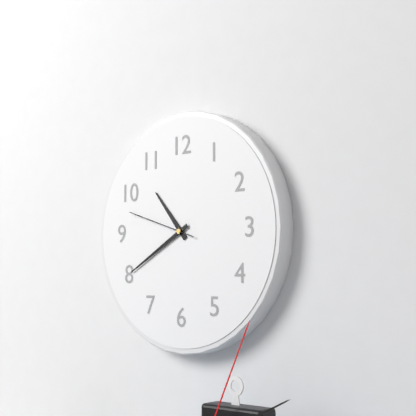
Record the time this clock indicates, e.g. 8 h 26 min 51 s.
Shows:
10 h 40 min 48 s
